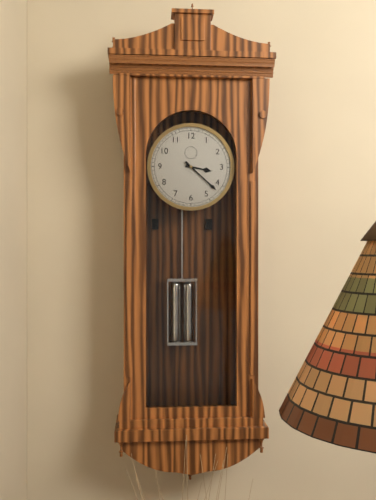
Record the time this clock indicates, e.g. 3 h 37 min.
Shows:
3 h 22 min
